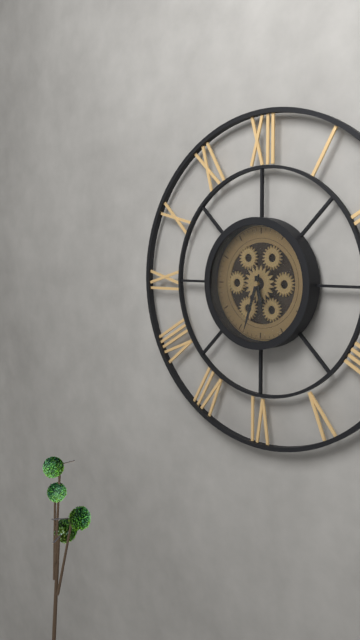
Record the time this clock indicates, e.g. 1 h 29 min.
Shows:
5 h 33 min
